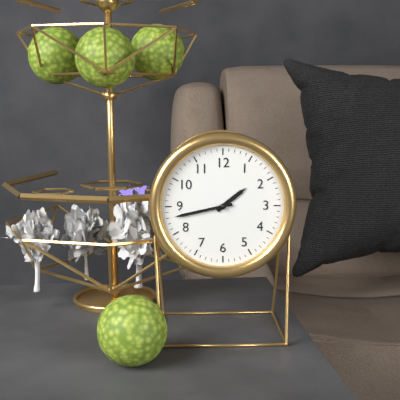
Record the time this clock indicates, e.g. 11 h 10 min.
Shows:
1 h 43 min
